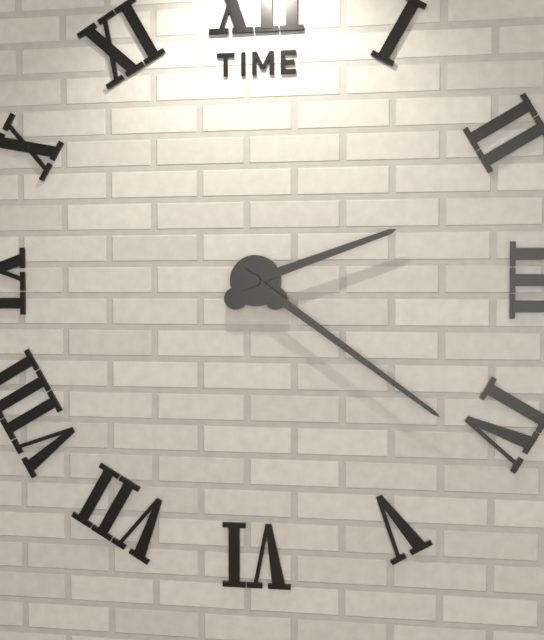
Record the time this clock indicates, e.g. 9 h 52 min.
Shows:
2 h 21 min
